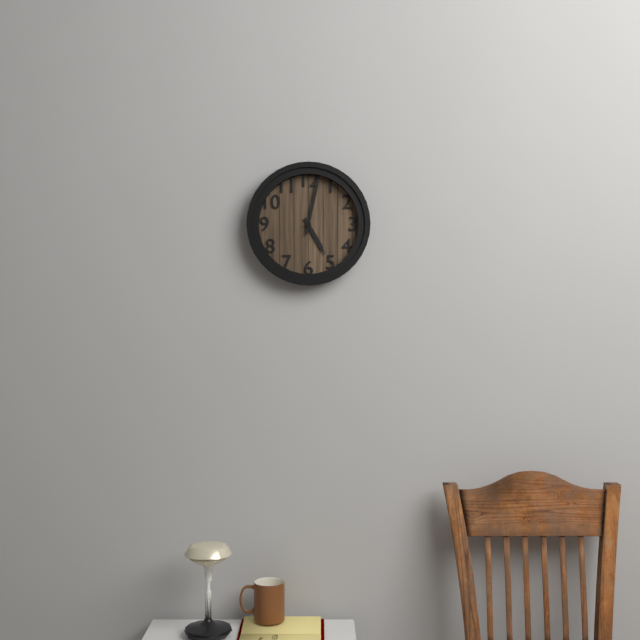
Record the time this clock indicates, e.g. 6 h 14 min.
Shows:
5 h 02 min
